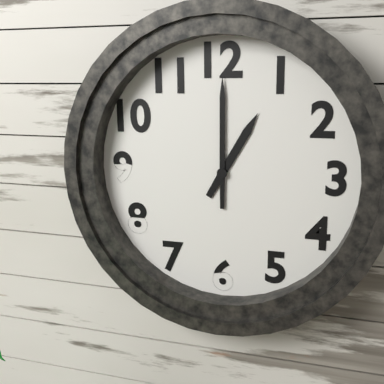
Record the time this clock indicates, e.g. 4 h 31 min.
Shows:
1 h 00 min
